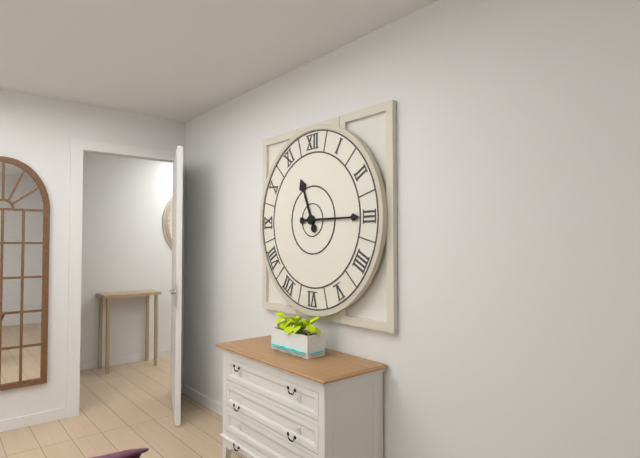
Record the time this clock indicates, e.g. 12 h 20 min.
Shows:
11 h 15 min
